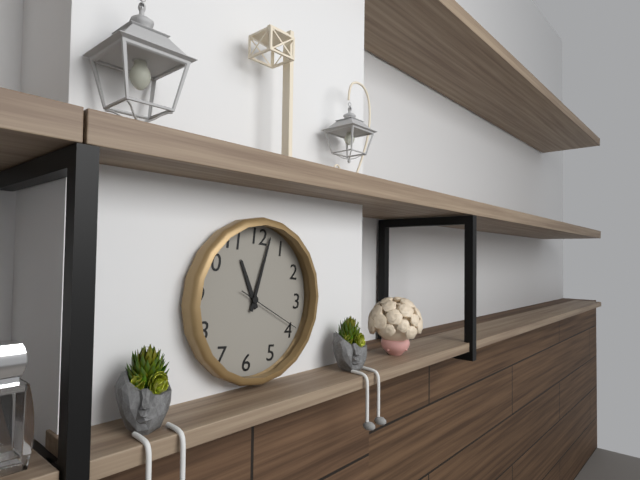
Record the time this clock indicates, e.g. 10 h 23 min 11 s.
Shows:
11 h 02 min 19 s
